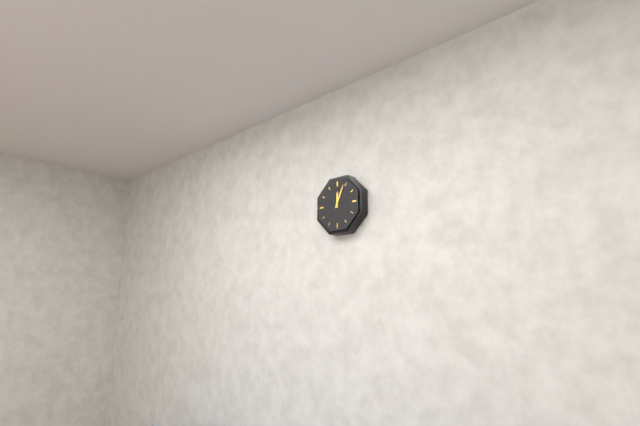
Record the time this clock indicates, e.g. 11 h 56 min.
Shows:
12 h 04 min
